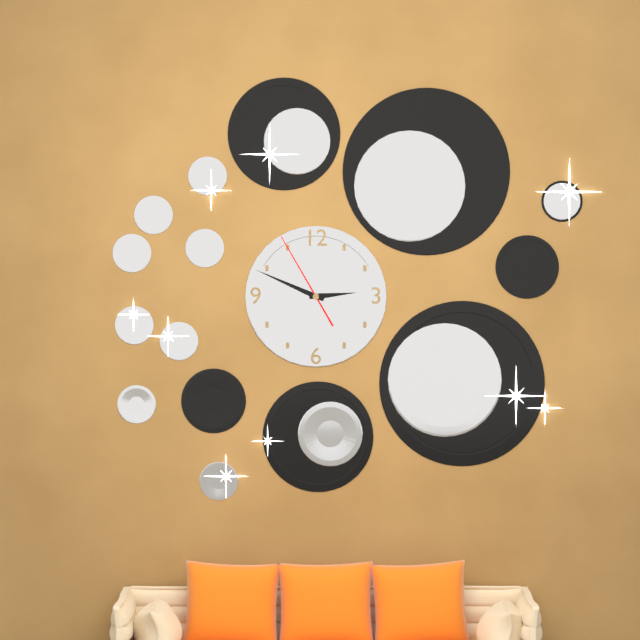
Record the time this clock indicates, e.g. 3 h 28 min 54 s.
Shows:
2 h 49 min 55 s
